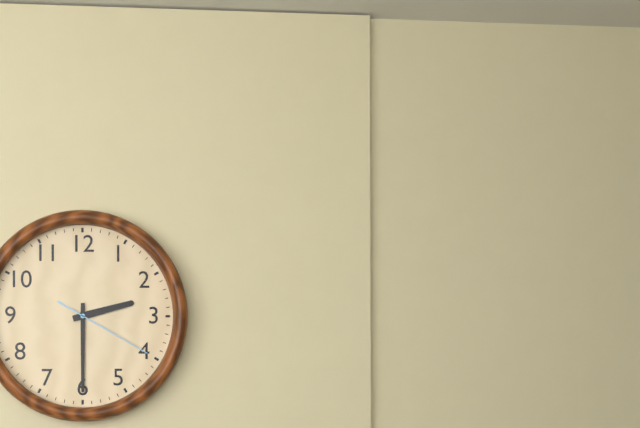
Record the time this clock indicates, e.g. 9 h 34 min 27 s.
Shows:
2 h 30 min 20 s
